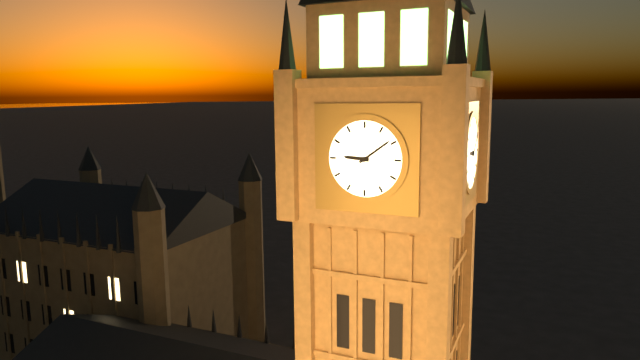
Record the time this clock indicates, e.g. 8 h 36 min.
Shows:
9 h 09 min
